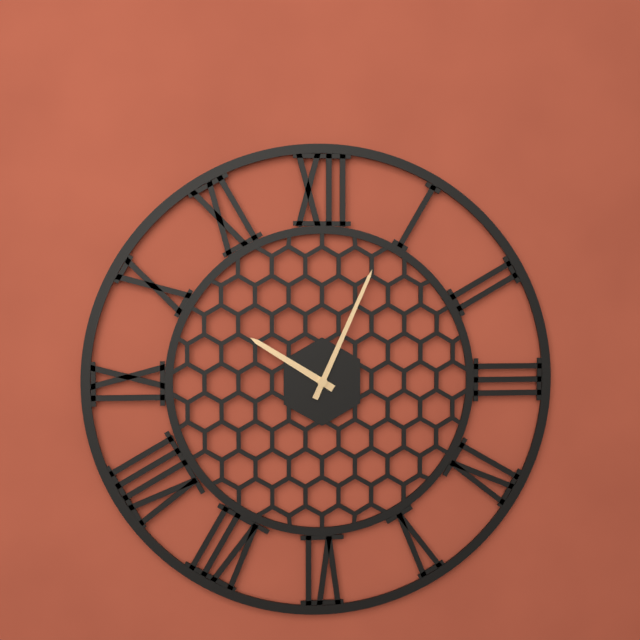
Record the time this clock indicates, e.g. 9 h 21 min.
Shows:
10 h 04 min
